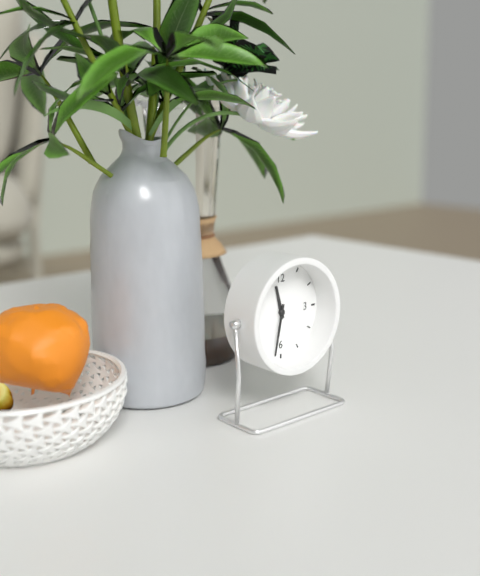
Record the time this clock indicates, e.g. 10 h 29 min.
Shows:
11 h 32 min
